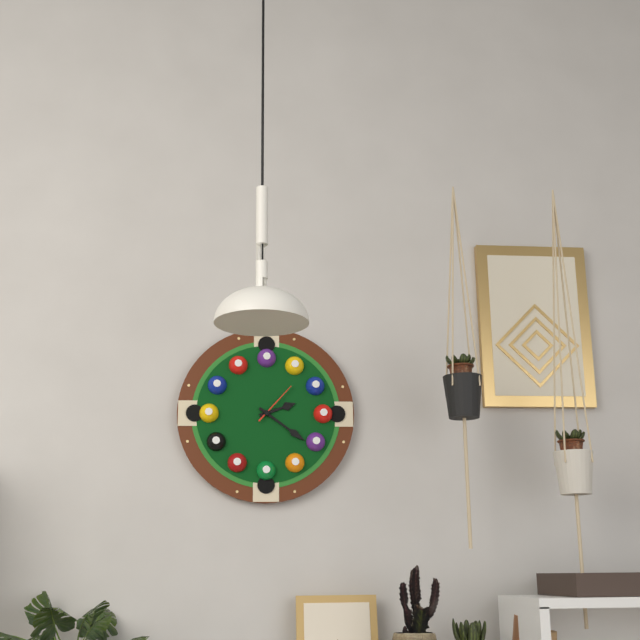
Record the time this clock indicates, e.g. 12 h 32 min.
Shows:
2 h 21 min
